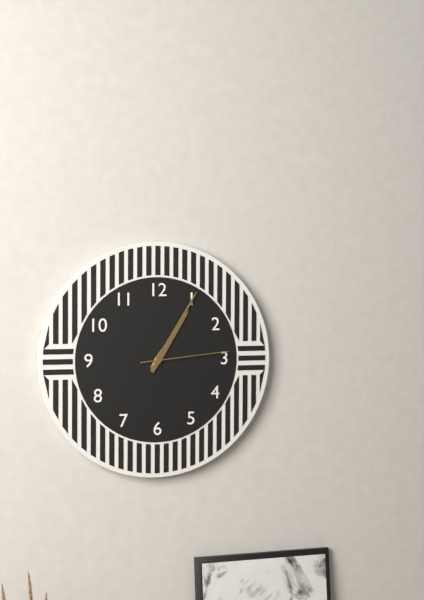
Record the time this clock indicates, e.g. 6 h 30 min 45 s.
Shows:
1 h 05 min 14 s
